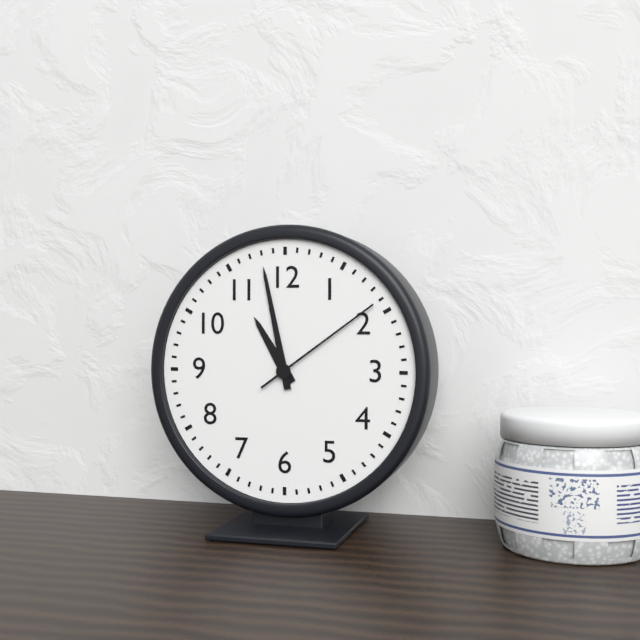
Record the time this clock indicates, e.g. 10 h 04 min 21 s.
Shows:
10 h 58 min 09 s
